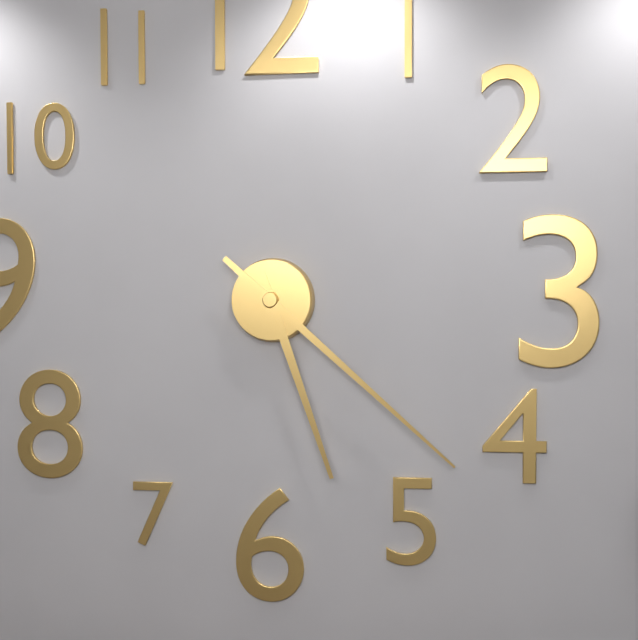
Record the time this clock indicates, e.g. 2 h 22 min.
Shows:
5 h 22 min
